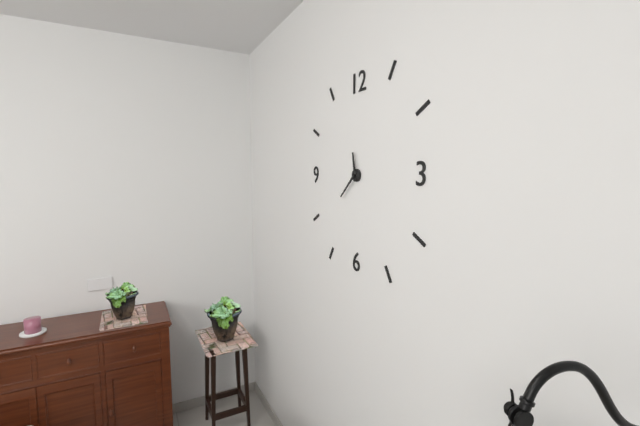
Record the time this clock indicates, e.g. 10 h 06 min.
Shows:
11 h 38 min
